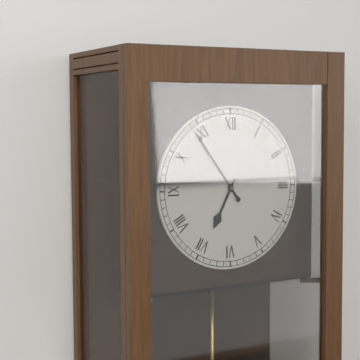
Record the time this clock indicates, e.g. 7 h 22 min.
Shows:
6 h 54 min
